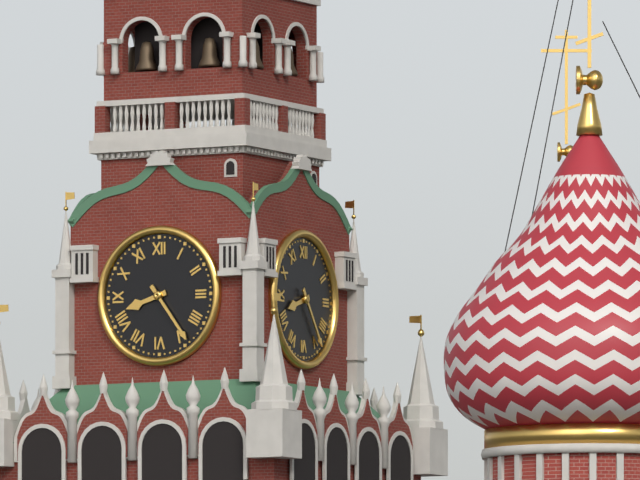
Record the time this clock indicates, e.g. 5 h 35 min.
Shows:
8 h 24 min
